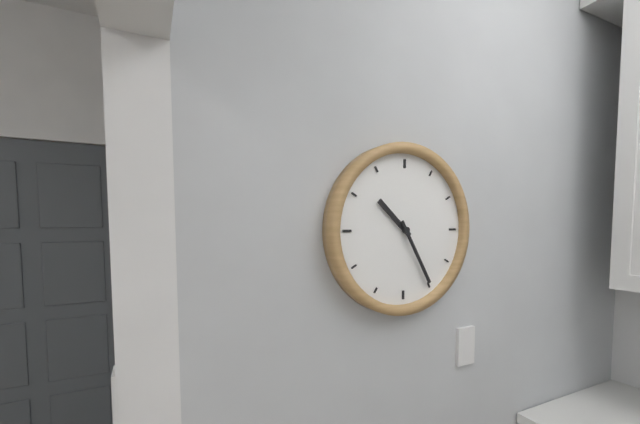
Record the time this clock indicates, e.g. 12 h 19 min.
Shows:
10 h 25 min
